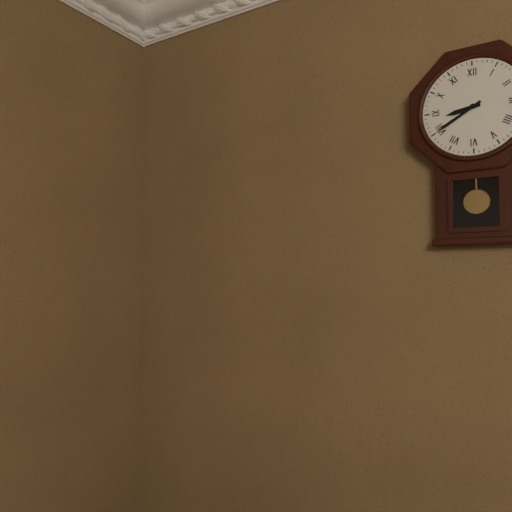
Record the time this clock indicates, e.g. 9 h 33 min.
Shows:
8 h 40 min
